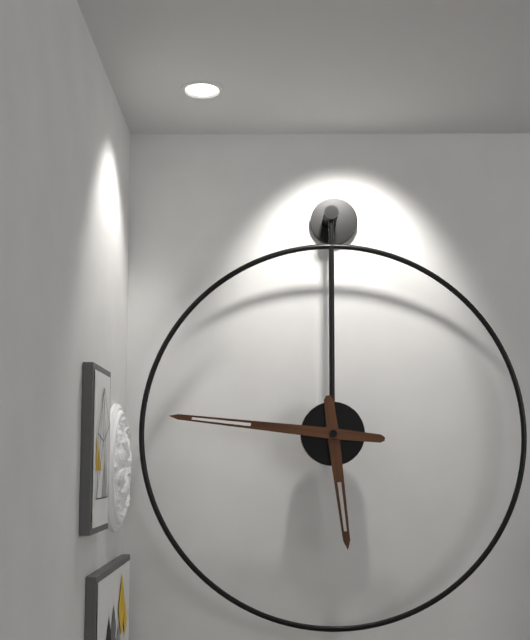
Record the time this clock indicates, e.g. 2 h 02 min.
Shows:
5 h 46 min
